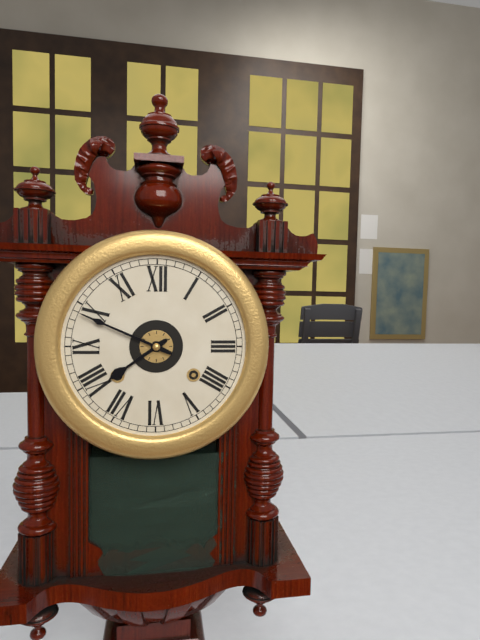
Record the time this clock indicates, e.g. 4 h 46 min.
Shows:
7 h 49 min
